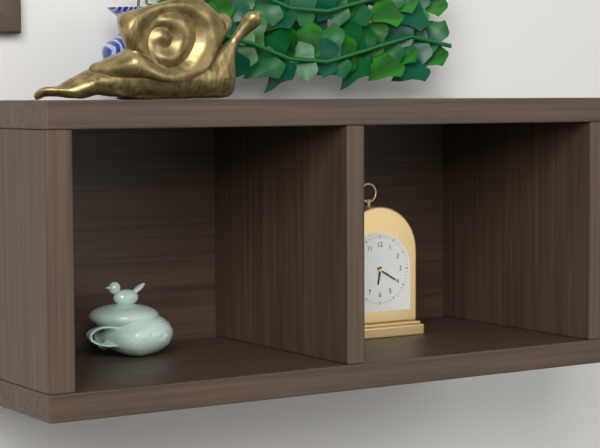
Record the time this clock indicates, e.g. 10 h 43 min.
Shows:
6 h 20 min
